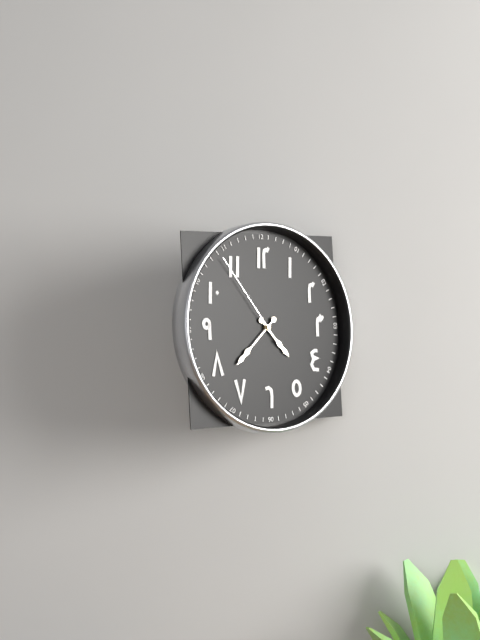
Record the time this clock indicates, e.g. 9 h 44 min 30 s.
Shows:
4 h 38 min 54 s
